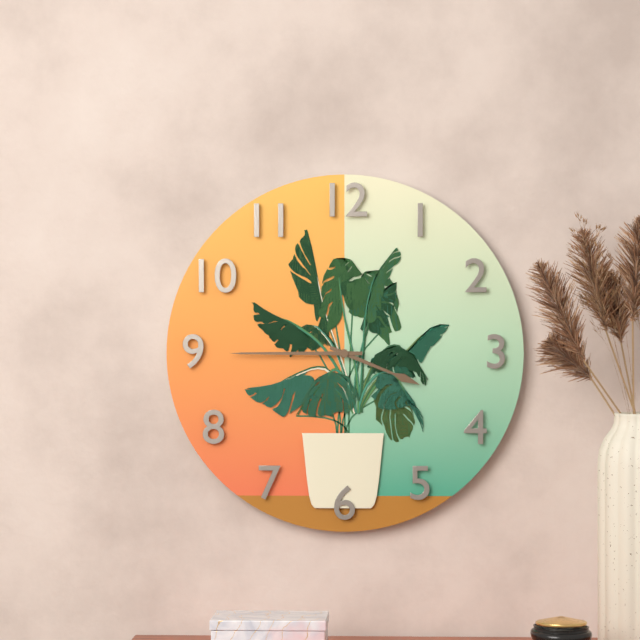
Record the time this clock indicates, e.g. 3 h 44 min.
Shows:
3 h 45 min
